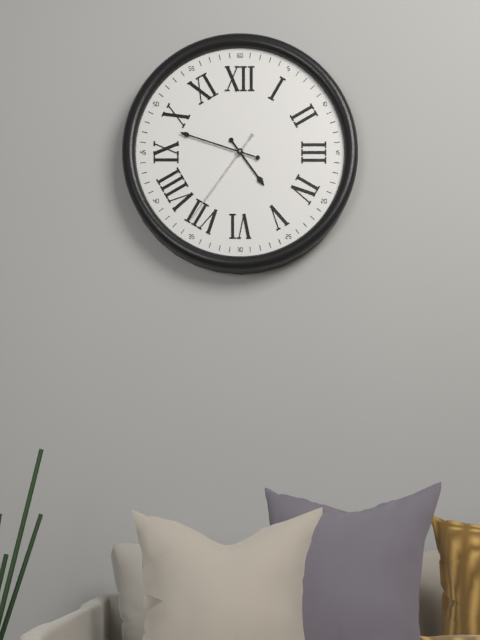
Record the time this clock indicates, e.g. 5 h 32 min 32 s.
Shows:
4 h 48 min 36 s
